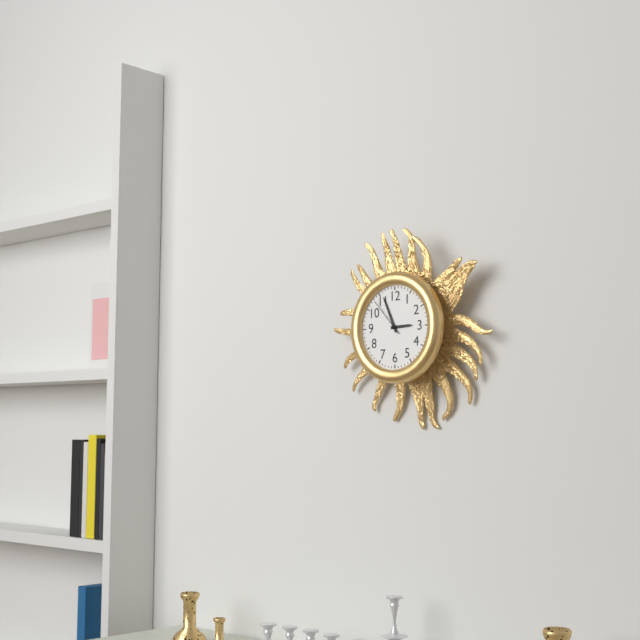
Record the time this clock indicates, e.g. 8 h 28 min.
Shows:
2 h 56 min
